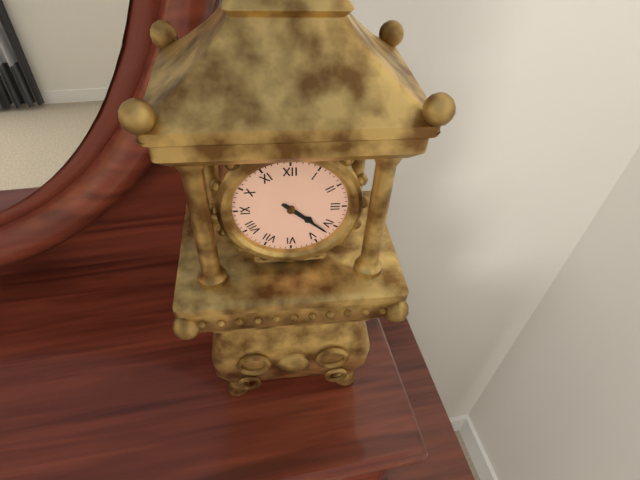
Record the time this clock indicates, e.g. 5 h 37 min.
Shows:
4 h 22 min
